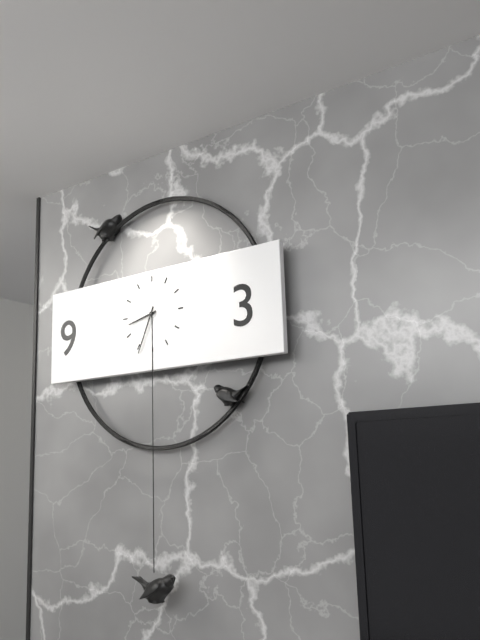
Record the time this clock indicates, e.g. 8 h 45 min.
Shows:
8 h 34 min
